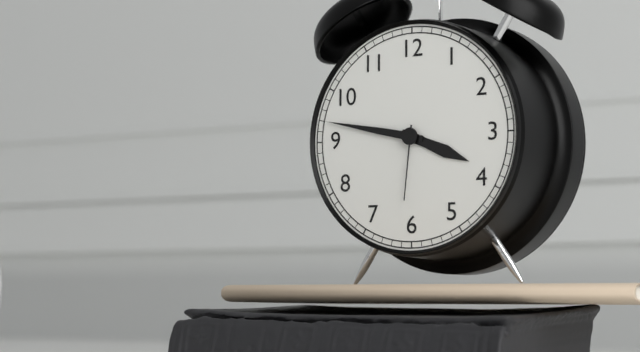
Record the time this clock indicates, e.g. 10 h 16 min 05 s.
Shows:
3 h 47 min 31 s
